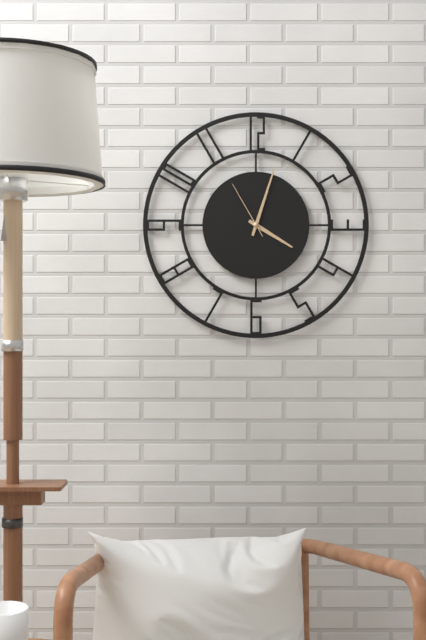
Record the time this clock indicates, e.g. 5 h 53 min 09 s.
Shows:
4 h 03 min 55 s
